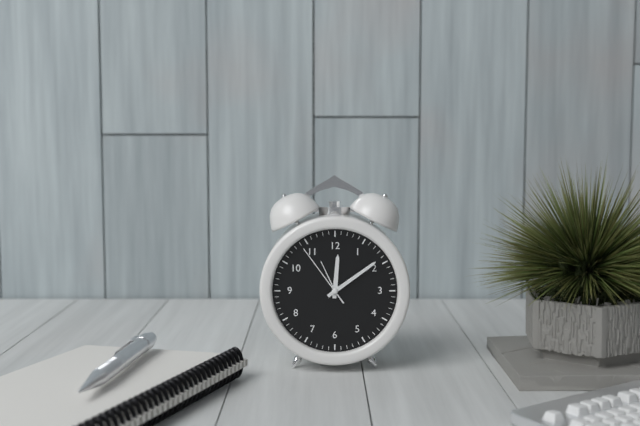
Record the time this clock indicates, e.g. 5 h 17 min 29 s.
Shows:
12 h 09 min 54 s
